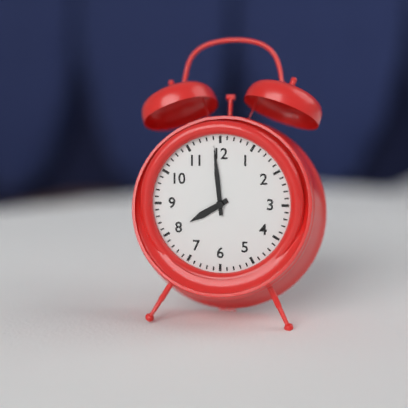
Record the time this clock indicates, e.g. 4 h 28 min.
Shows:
7 h 59 min
